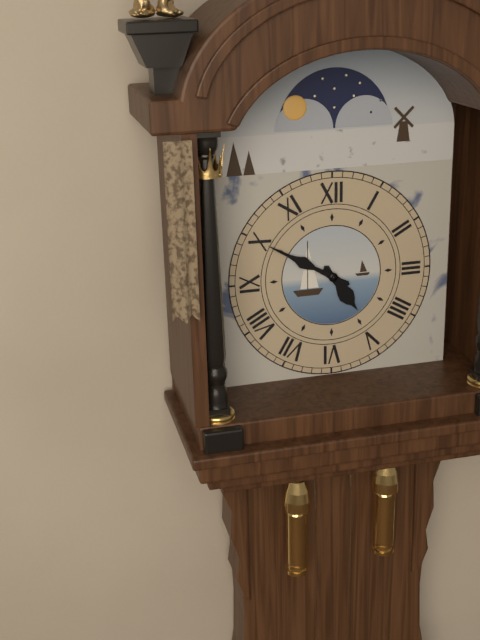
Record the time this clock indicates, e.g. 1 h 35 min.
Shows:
4 h 50 min
